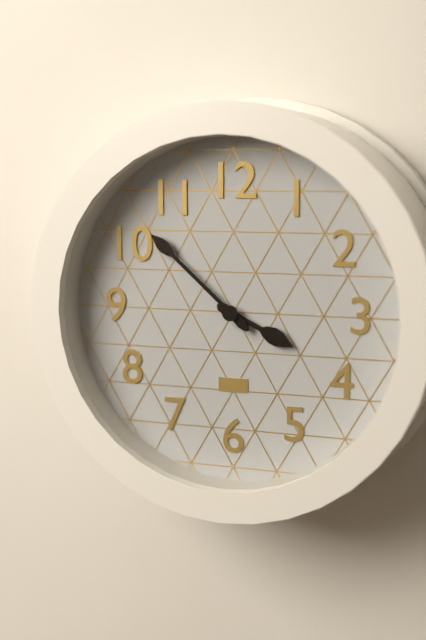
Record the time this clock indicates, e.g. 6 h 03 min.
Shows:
3 h 52 min
